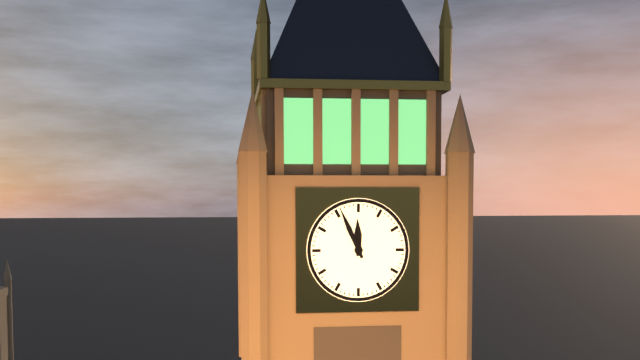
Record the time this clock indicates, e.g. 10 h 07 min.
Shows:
11 h 56 min
